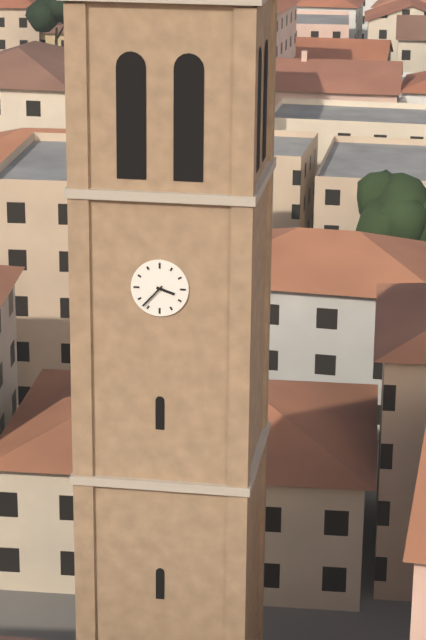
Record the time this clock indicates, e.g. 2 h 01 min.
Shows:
3 h 37 min
